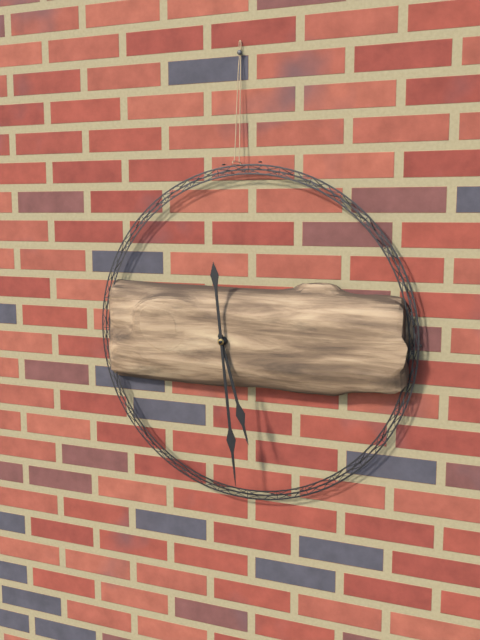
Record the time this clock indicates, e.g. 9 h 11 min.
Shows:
5 h 29 min
